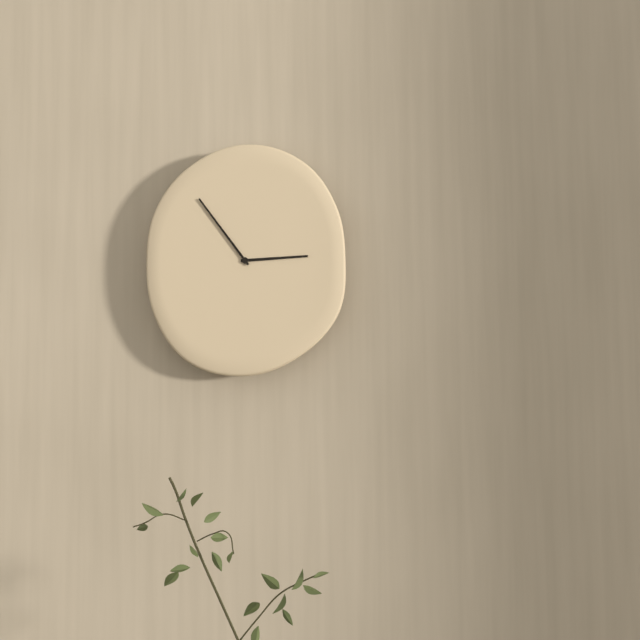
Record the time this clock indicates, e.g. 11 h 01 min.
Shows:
2 h 54 min
